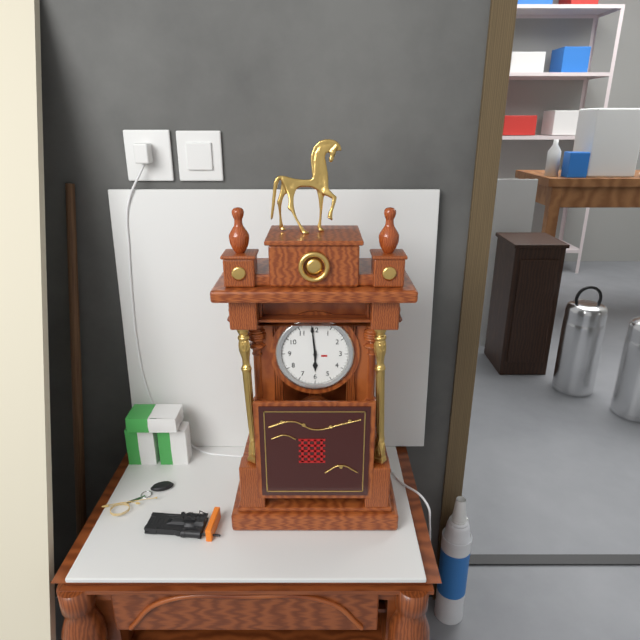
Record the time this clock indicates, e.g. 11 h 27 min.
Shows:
5 h 59 min
